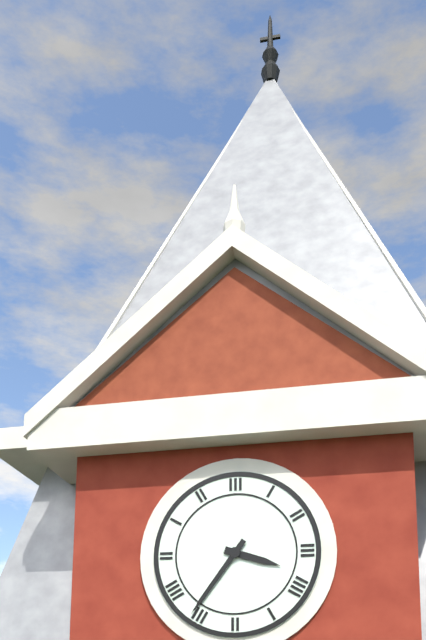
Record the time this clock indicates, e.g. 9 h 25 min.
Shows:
3 h 36 min
